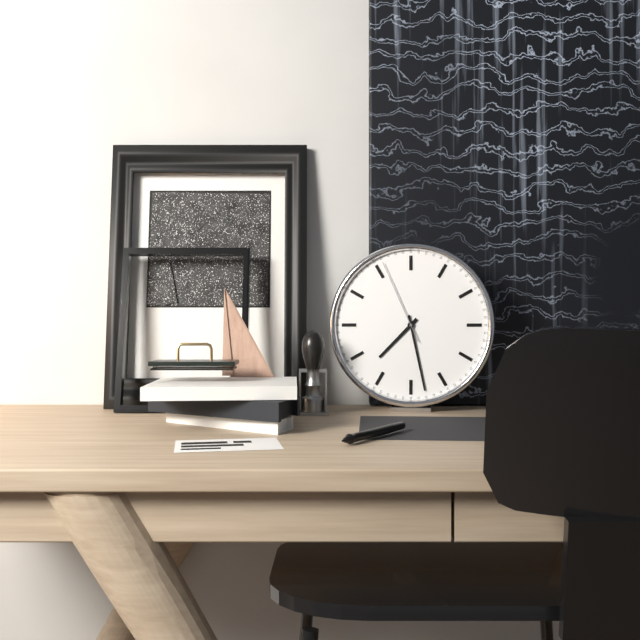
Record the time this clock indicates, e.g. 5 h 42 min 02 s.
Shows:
7 h 28 min 56 s
